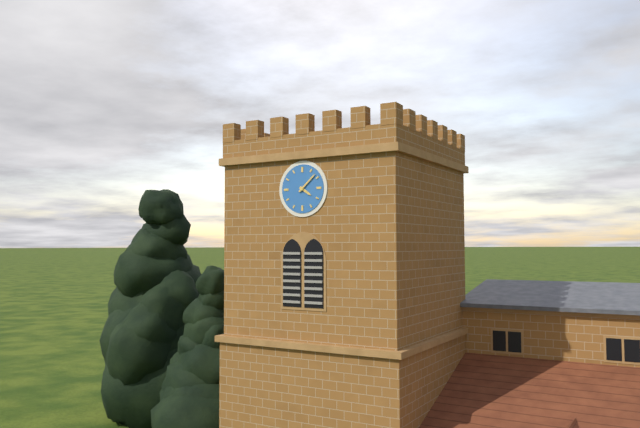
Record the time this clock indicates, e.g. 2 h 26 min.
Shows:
4 h 08 min
